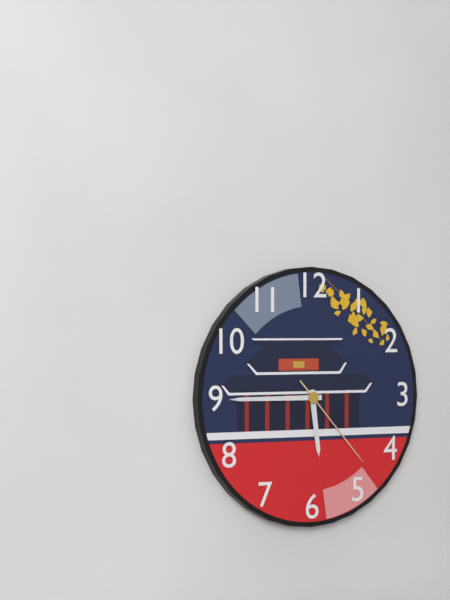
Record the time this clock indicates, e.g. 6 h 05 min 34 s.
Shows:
5 h 45 min 23 s
